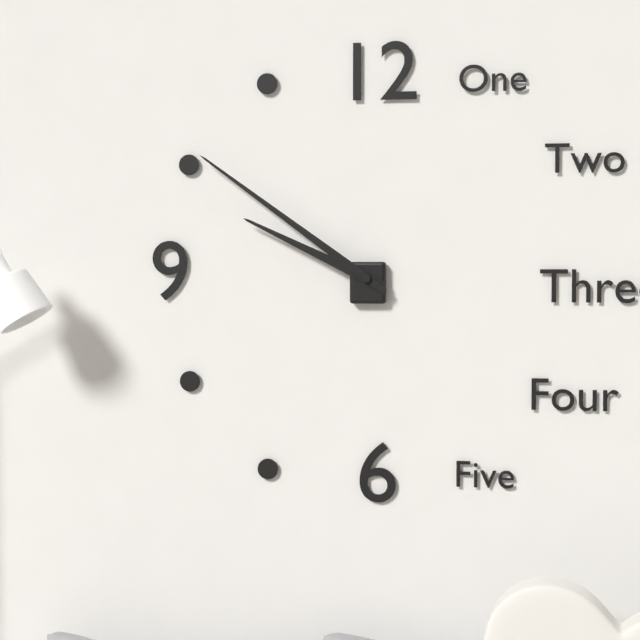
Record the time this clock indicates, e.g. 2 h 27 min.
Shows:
9 h 51 min
